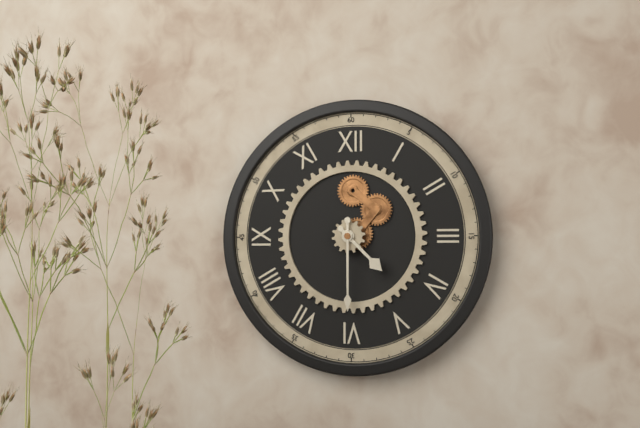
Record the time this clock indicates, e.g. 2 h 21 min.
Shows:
4 h 30 min
